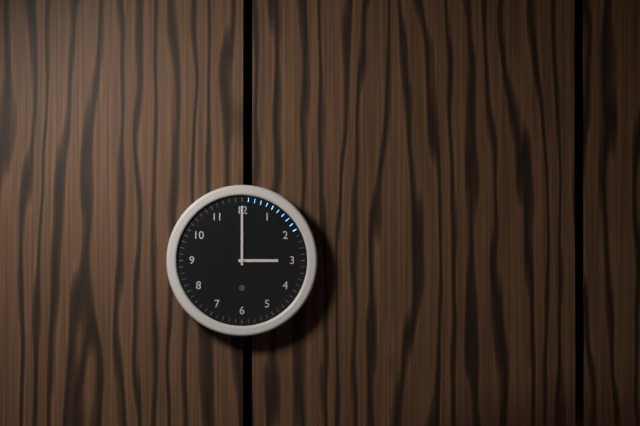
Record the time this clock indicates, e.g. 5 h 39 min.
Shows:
3 h 00 min
